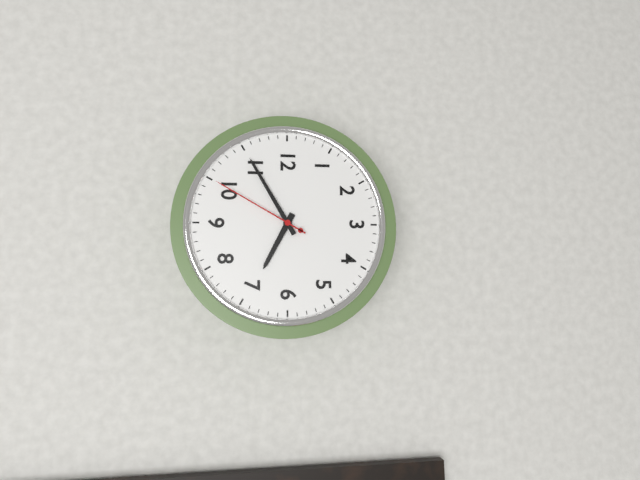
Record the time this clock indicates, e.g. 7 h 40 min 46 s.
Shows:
6 h 55 min 50 s
